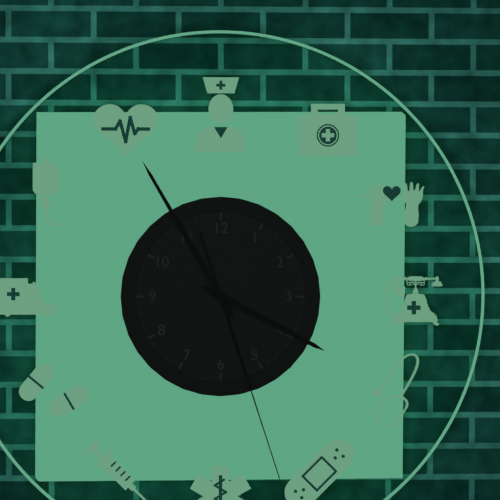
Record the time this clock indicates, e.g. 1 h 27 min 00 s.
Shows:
3 h 55 min 27 s
